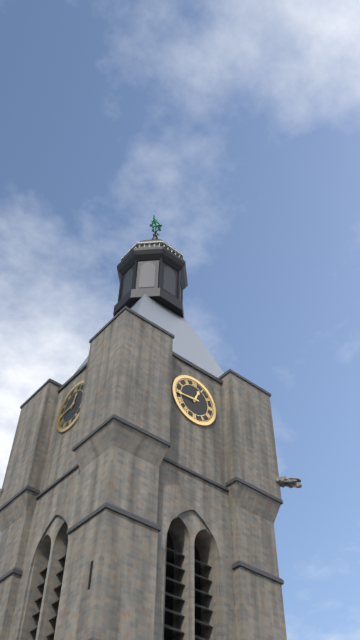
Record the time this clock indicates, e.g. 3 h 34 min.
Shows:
12 h 44 min
